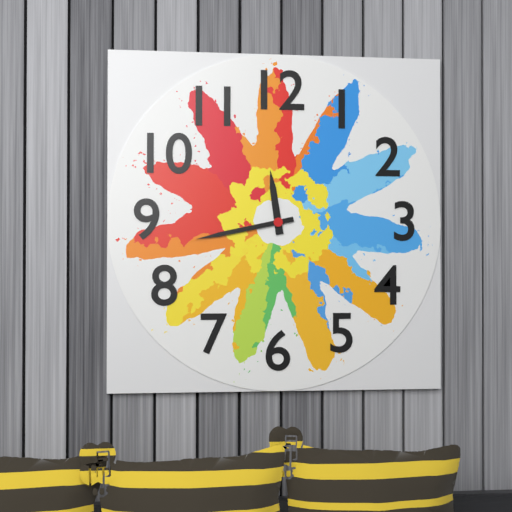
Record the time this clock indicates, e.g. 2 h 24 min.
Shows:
11 h 43 min
